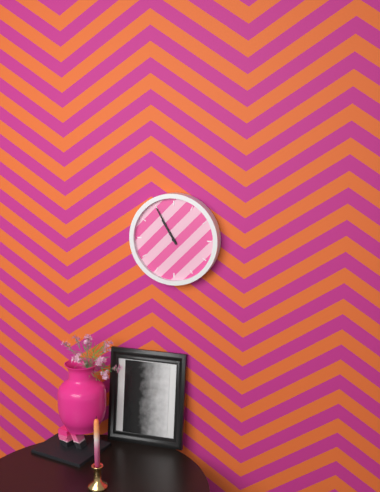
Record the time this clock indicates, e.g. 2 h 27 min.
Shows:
10 h 55 min
